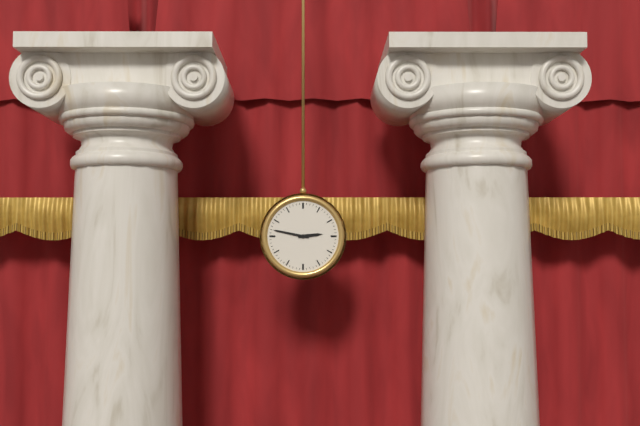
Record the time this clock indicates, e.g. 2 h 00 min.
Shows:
2 h 47 min
